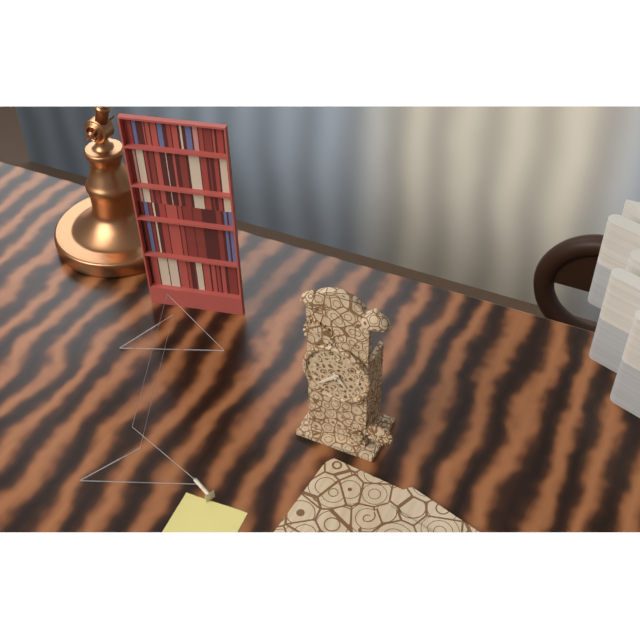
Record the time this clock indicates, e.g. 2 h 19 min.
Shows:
4 h 38 min
